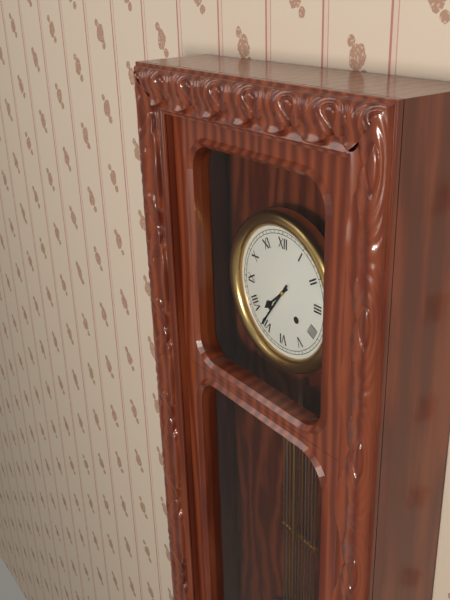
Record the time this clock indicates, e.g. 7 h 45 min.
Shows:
7 h 36 min
